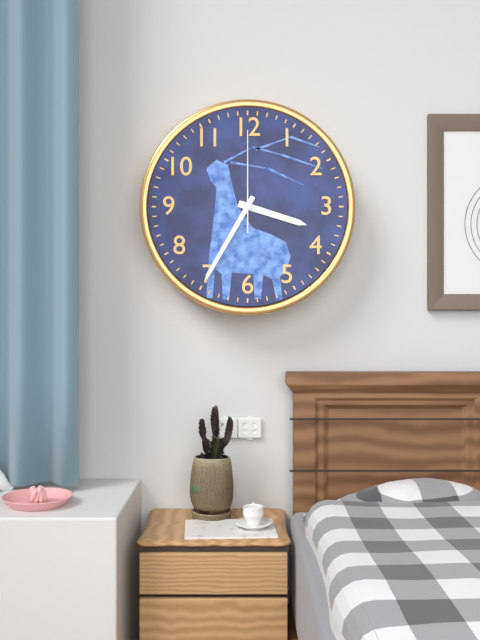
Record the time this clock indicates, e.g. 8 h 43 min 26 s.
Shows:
3 h 35 min 00 s
